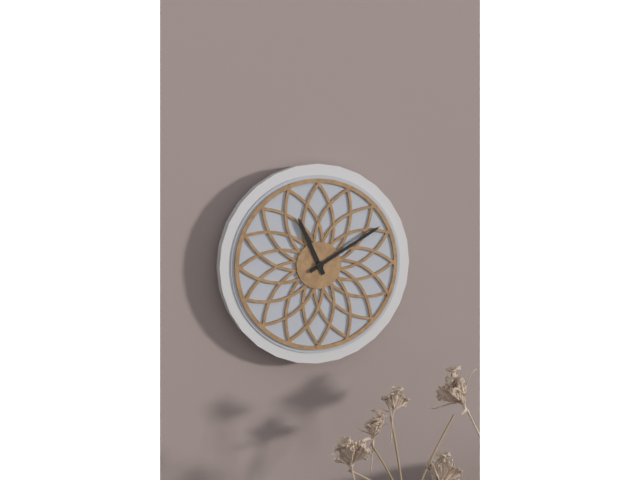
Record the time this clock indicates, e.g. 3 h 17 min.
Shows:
11 h 10 min
